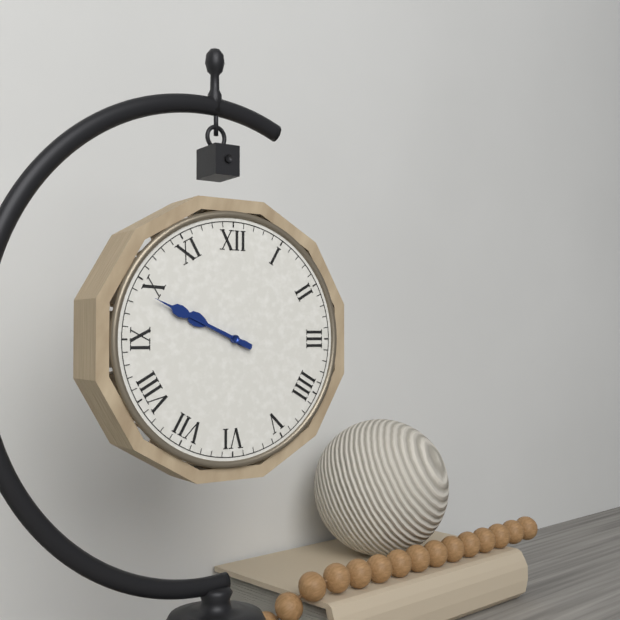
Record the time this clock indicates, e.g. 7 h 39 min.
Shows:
9 h 49 min
